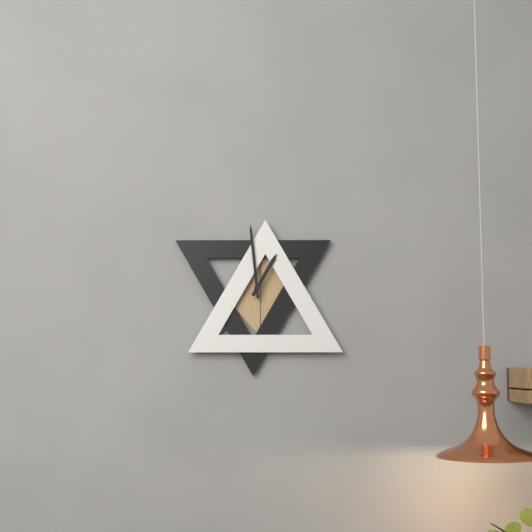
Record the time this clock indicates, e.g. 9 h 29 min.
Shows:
12 h 59 min
